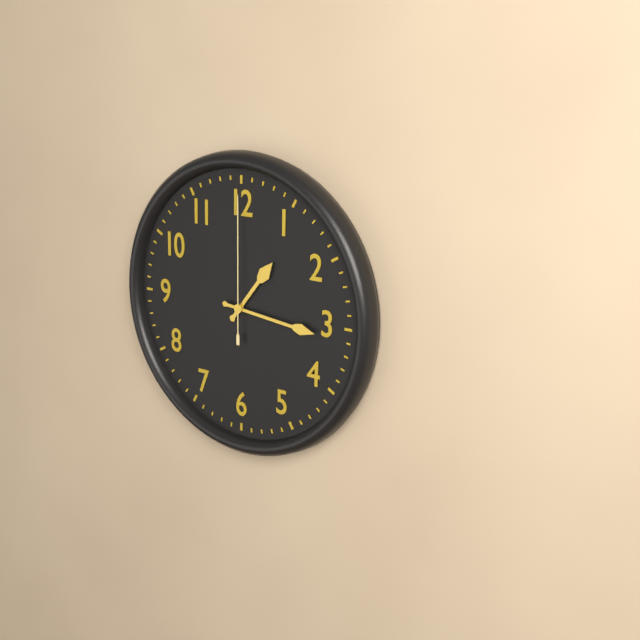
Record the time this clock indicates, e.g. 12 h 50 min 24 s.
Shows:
1 h 16 min 00 s
